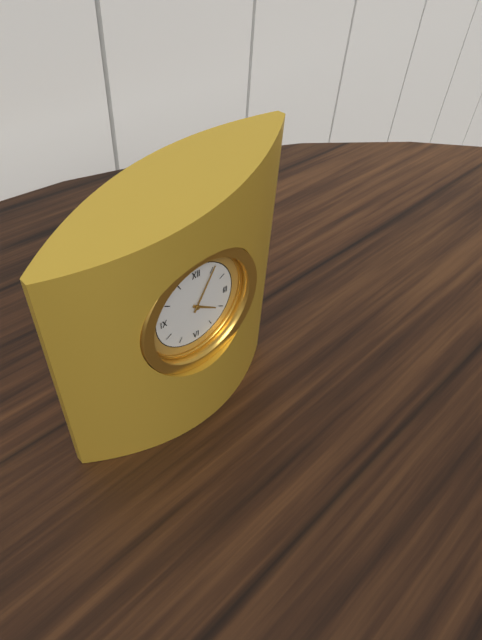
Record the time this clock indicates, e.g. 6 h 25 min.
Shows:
4 h 05 min
